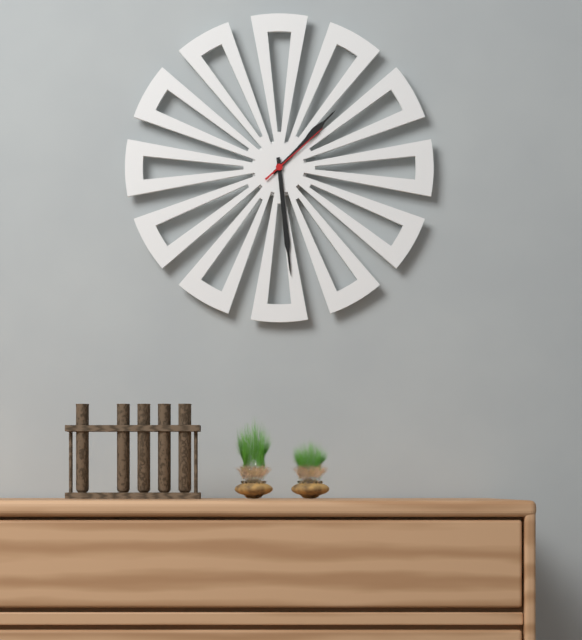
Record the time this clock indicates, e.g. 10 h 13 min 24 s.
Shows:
1 h 29 min 08 s
